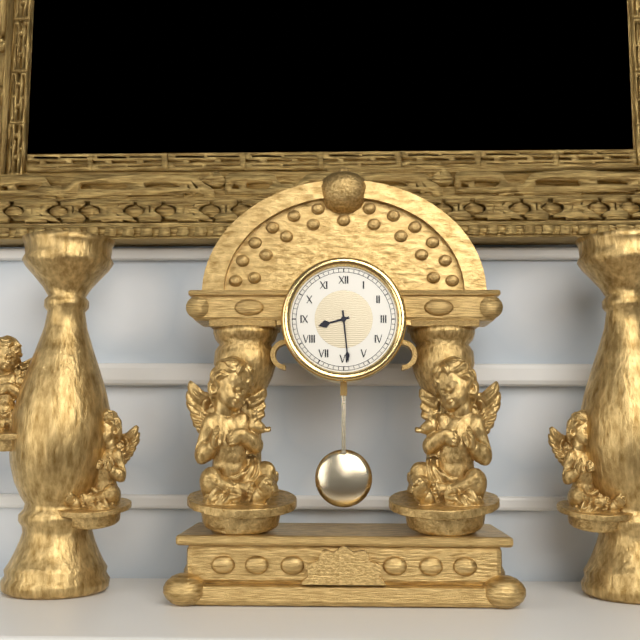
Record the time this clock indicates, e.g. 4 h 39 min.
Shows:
8 h 29 min
